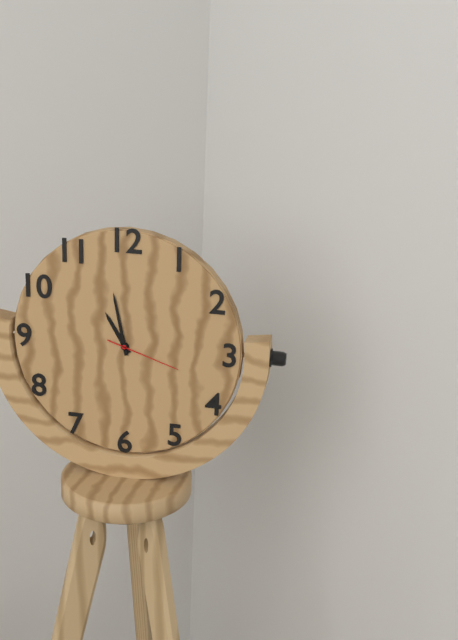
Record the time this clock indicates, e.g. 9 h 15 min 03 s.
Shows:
10 h 58 min 18 s
